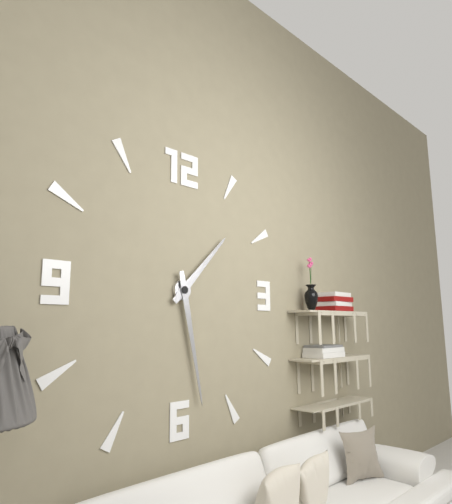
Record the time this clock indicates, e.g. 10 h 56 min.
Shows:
1 h 28 min
